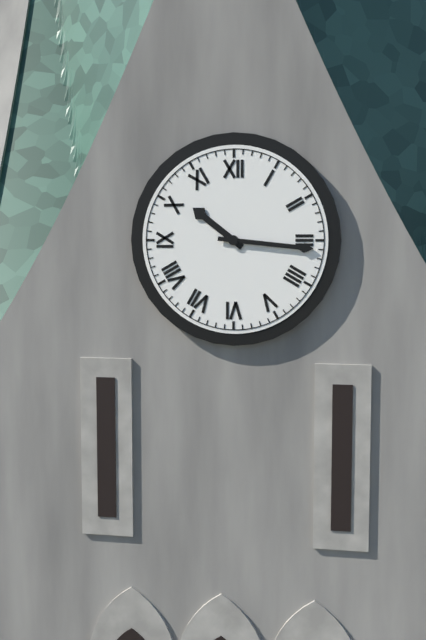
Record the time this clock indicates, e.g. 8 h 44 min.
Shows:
10 h 16 min
